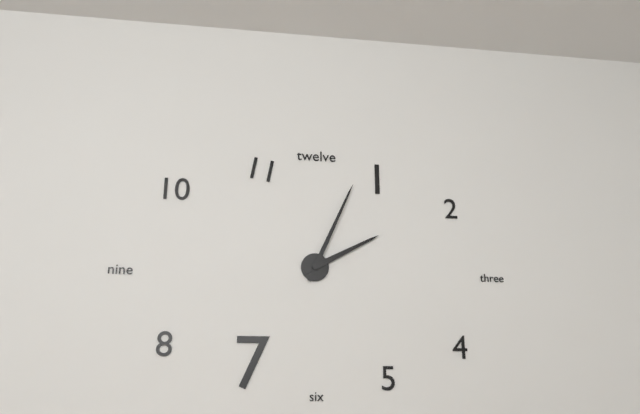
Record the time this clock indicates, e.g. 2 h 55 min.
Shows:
2 h 04 min
